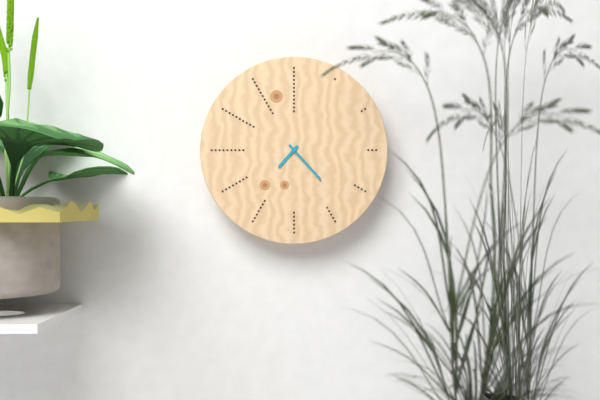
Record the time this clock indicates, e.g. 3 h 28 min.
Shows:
7 h 23 min
